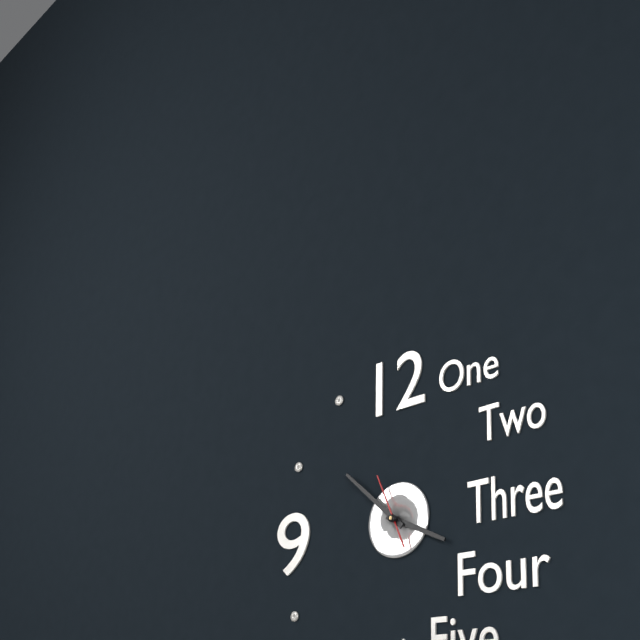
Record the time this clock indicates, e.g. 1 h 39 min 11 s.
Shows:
3 h 52 min 56 s
